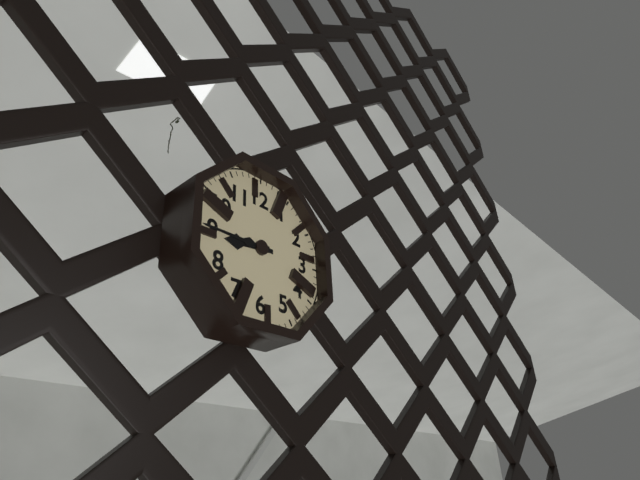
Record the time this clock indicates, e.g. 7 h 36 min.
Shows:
8 h 45 min
